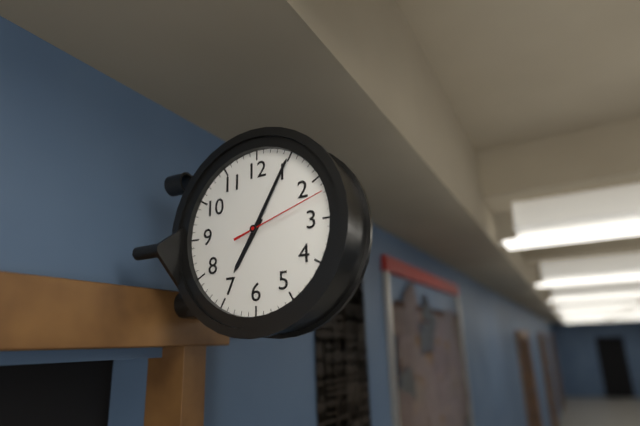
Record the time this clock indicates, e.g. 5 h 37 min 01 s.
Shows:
7 h 05 min 12 s
